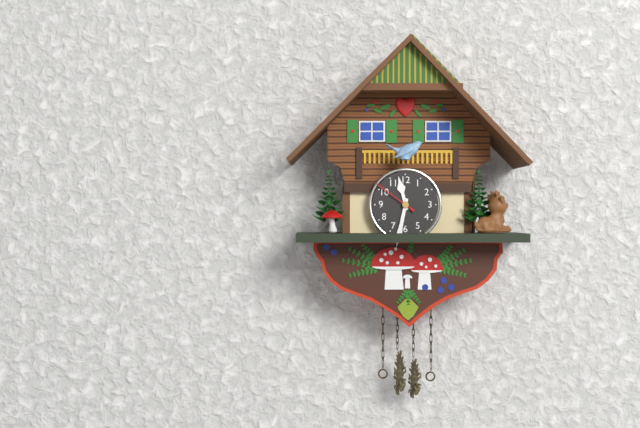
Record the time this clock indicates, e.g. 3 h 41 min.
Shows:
11 h 32 min
